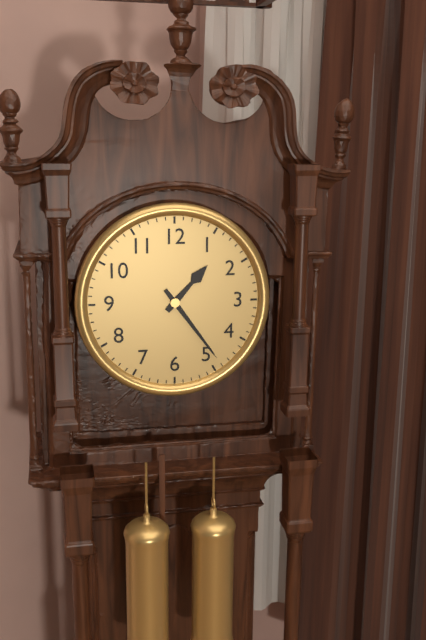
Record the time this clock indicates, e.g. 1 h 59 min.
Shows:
1 h 24 min
